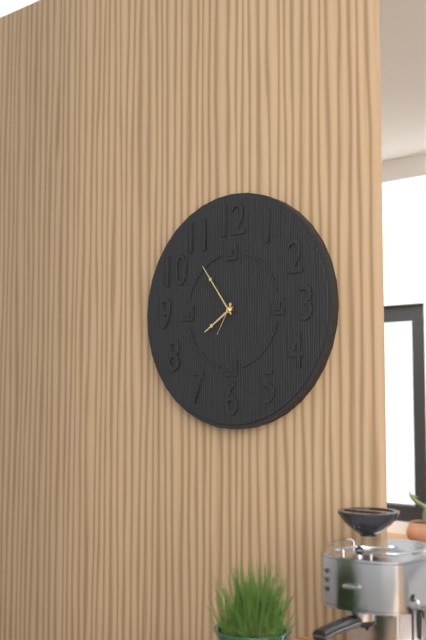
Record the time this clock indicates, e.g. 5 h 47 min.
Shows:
7 h 54 min
